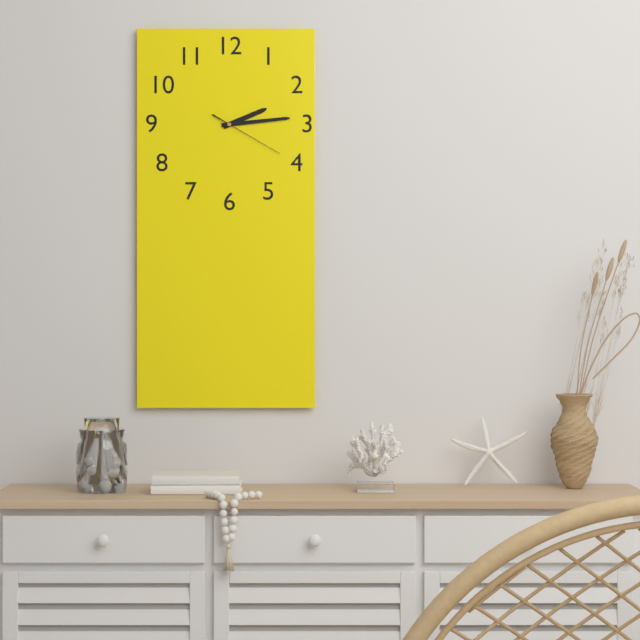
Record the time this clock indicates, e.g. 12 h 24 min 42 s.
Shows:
2 h 14 min 20 s
